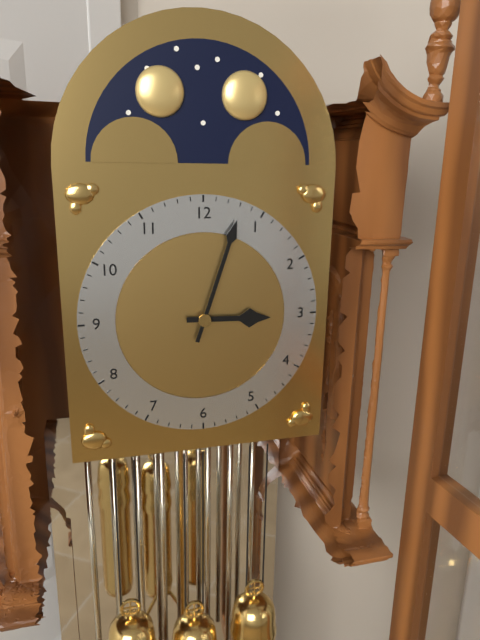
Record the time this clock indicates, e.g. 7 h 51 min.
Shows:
3 h 03 min
